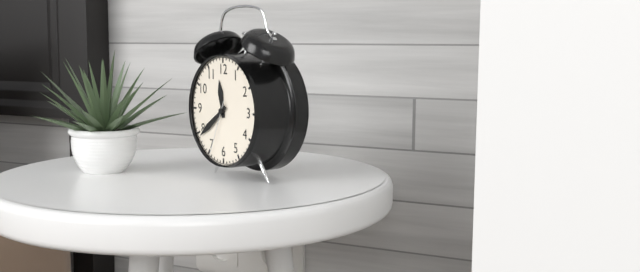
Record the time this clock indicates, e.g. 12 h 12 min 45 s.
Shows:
11 h 39 min 34 s
